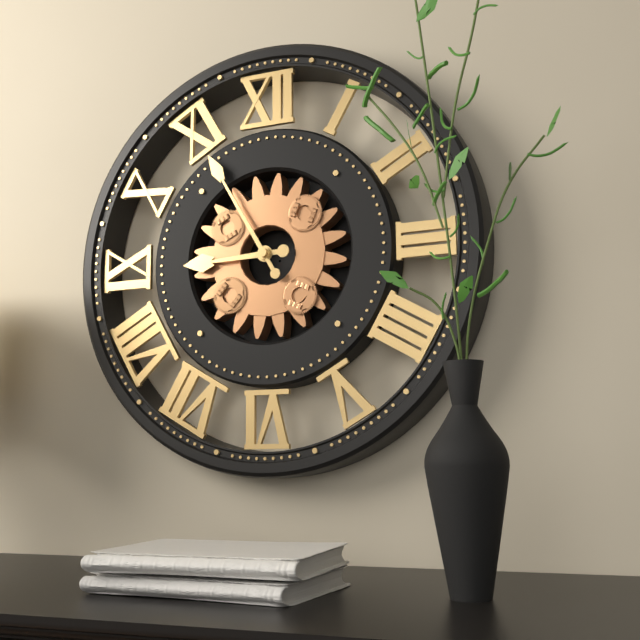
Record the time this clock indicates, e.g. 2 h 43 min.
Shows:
8 h 55 min
